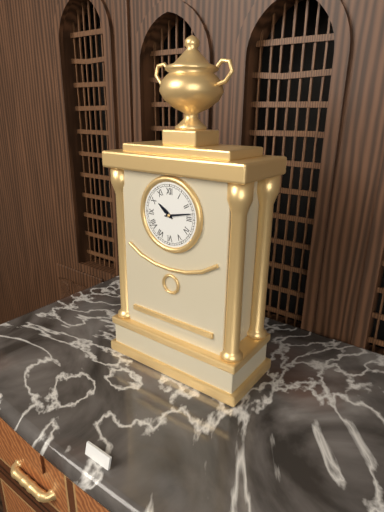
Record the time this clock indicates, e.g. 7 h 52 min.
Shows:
10 h 13 min
